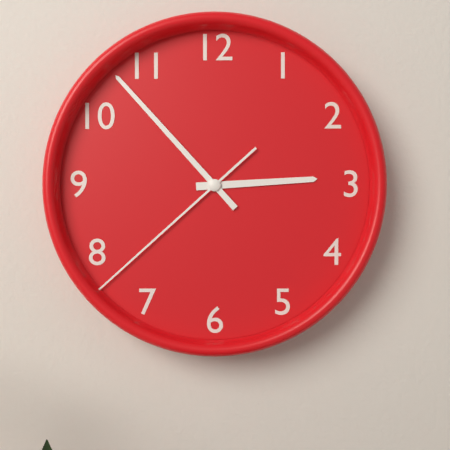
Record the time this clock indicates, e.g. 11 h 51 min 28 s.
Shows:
2 h 53 min 38 s
